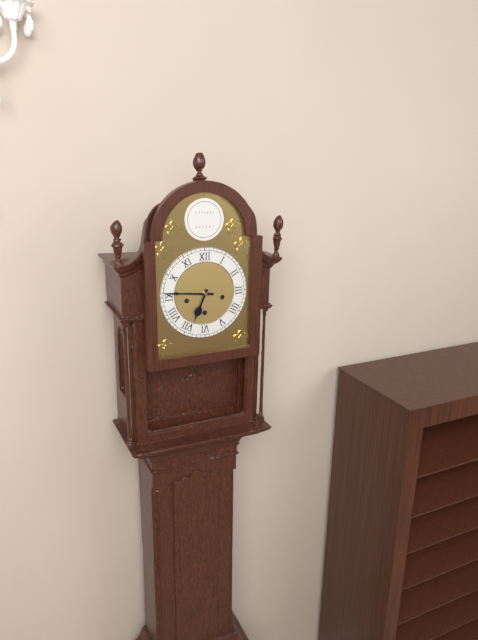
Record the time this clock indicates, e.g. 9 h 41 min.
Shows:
6 h 46 min
